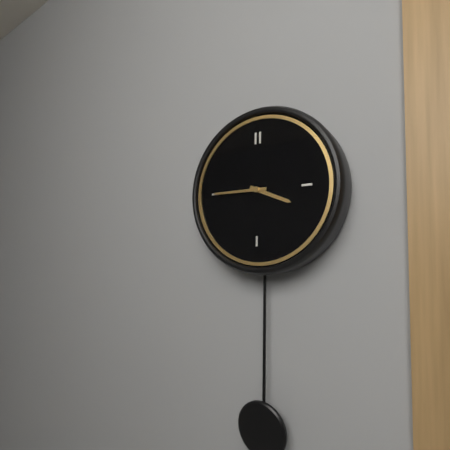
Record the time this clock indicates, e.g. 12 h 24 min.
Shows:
3 h 45 min
